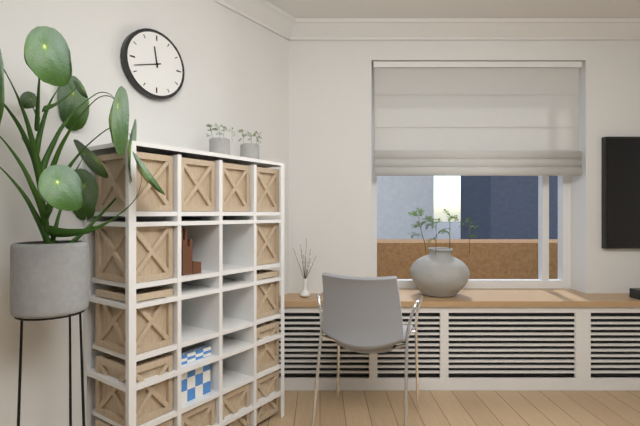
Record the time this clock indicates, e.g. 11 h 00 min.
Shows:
11 h 42 min
